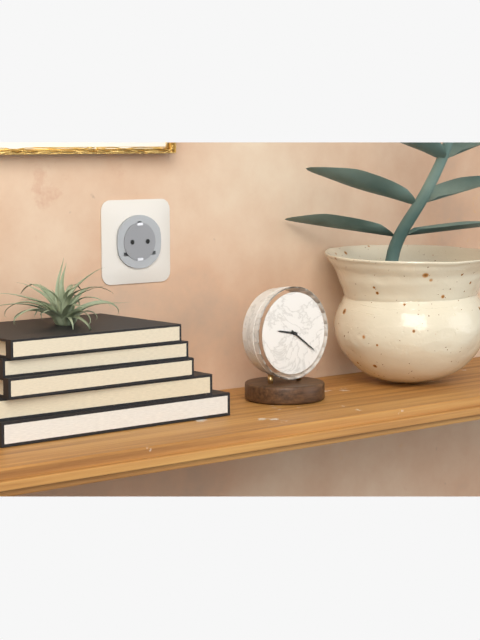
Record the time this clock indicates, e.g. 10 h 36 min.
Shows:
9 h 21 min
